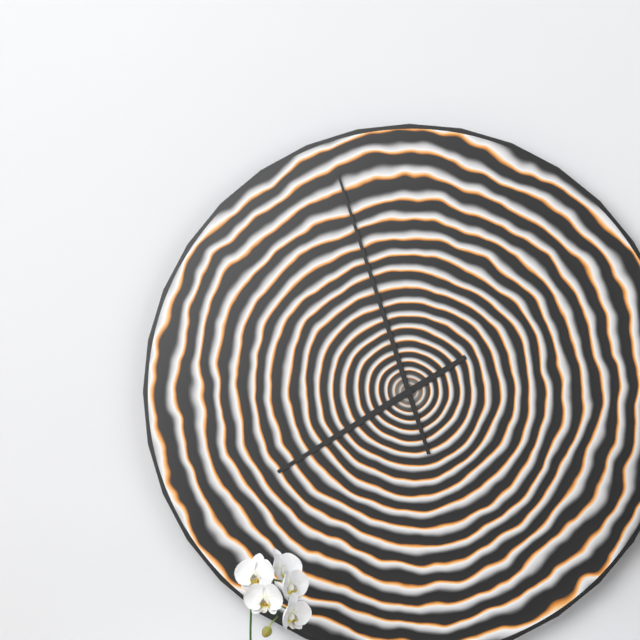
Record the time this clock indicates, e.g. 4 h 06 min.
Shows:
7 h 57 min
